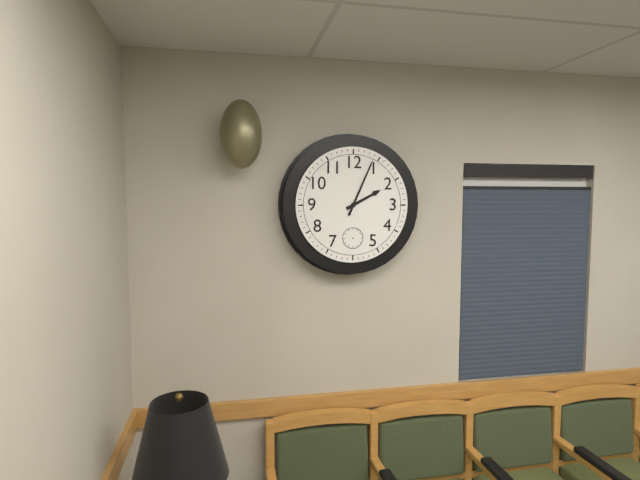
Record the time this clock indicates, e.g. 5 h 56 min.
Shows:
2 h 04 min
